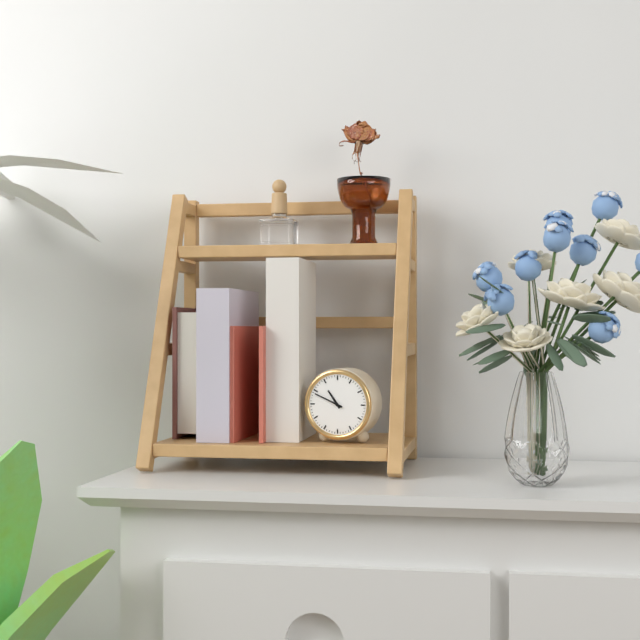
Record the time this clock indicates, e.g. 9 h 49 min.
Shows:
10 h 49 min
